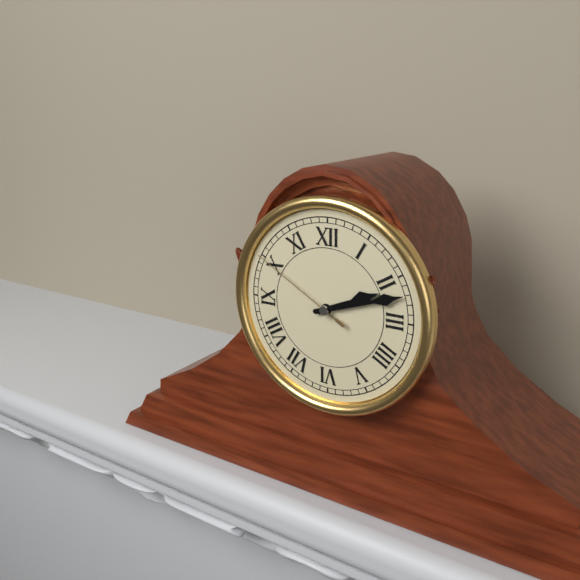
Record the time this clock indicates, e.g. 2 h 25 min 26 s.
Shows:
2 h 12 min 50 s
